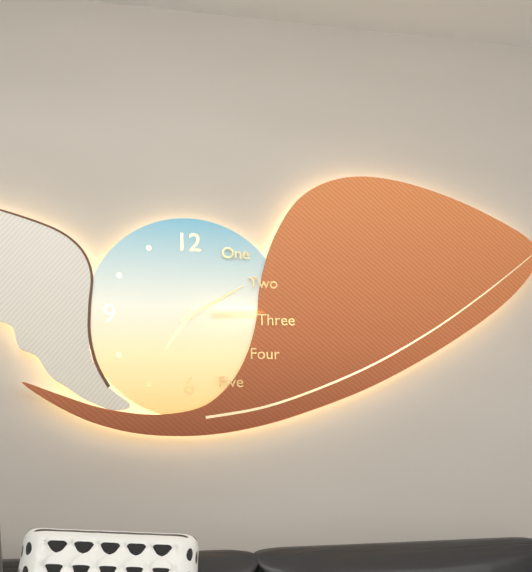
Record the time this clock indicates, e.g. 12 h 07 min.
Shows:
7 h 10 min
